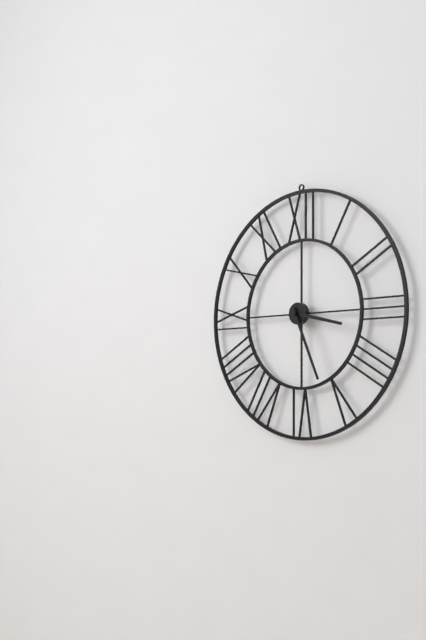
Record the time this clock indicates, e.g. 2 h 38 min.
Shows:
3 h 26 min
